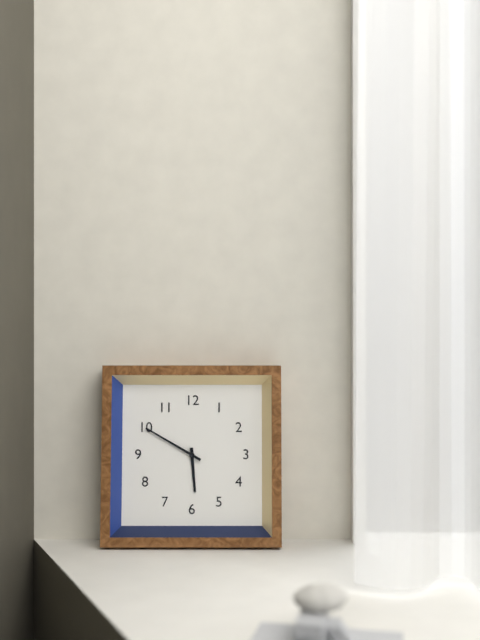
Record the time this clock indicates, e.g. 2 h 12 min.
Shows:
5 h 50 min
